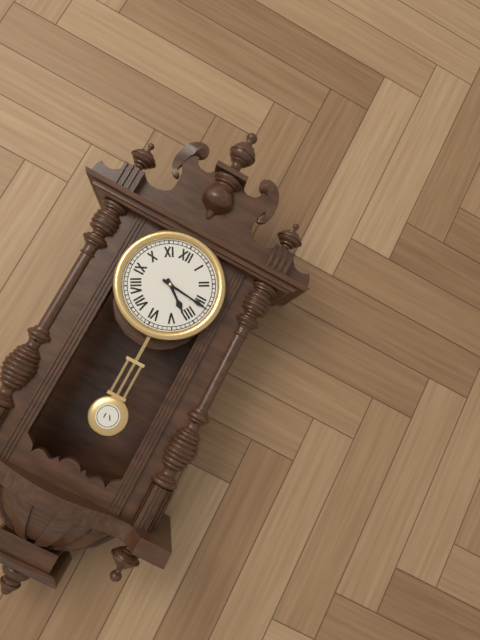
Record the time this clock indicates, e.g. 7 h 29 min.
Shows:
4 h 16 min
